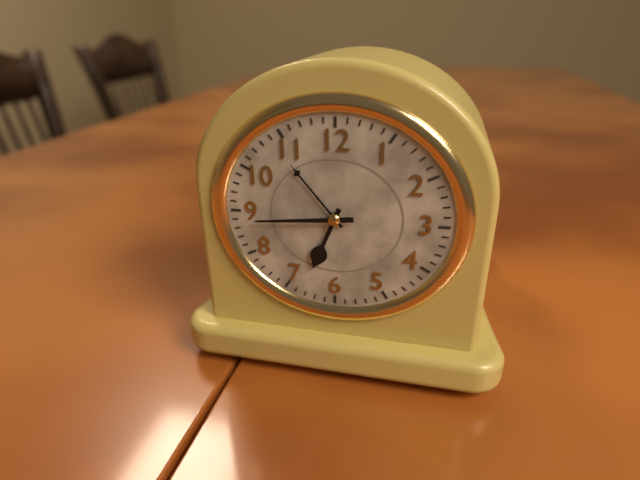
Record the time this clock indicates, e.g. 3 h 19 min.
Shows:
6 h 44 min
